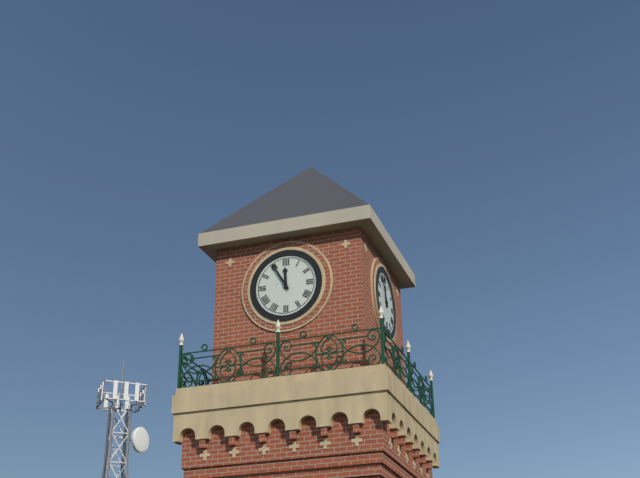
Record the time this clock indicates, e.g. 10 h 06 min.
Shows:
11 h 55 min
